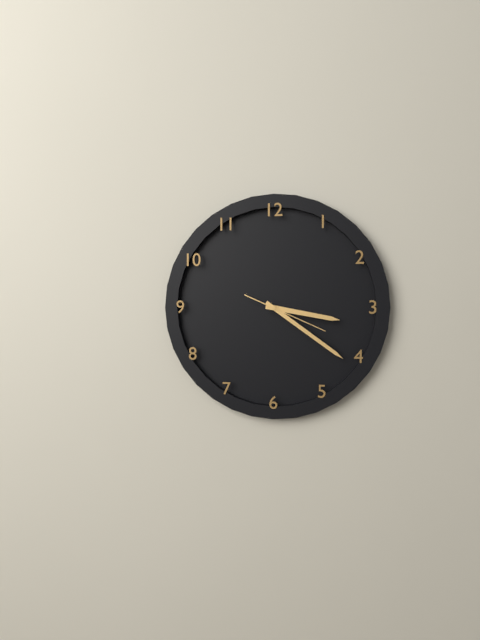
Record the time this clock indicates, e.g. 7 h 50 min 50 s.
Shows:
3 h 21 min 19 s
